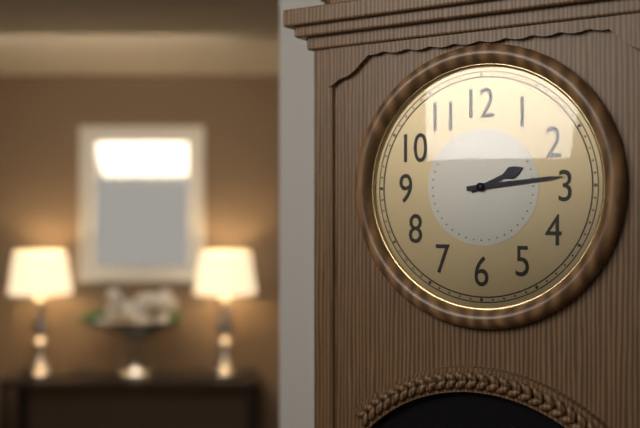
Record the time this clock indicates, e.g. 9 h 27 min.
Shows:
2 h 14 min
